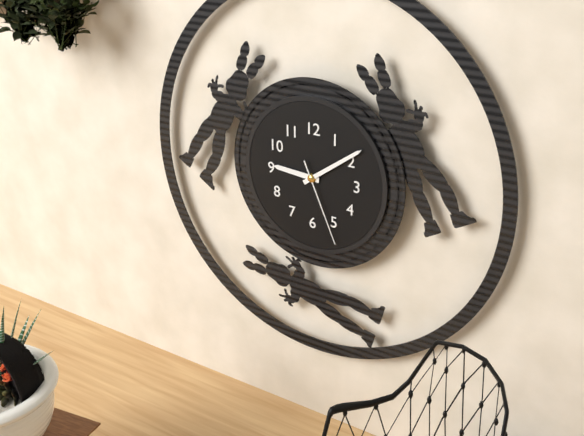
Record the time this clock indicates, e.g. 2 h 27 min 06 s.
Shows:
9 h 09 min 26 s
